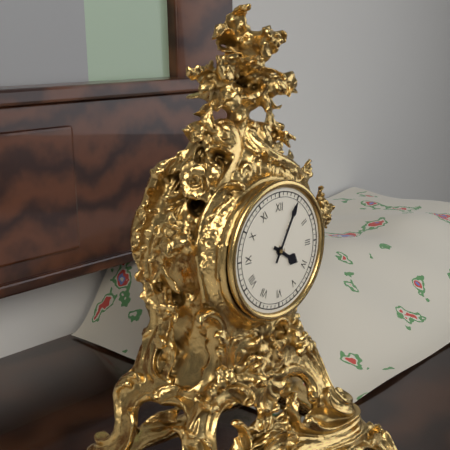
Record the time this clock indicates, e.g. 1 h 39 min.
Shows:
4 h 05 min
